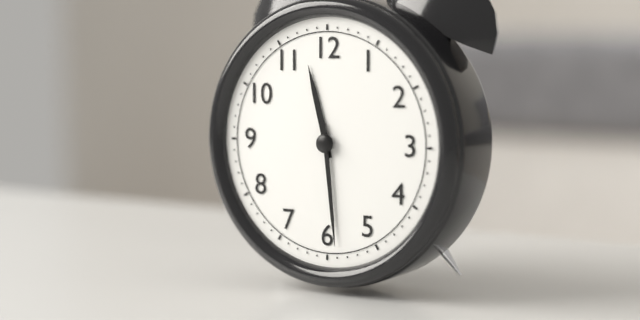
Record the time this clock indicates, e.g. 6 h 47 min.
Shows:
11 h 29 min
